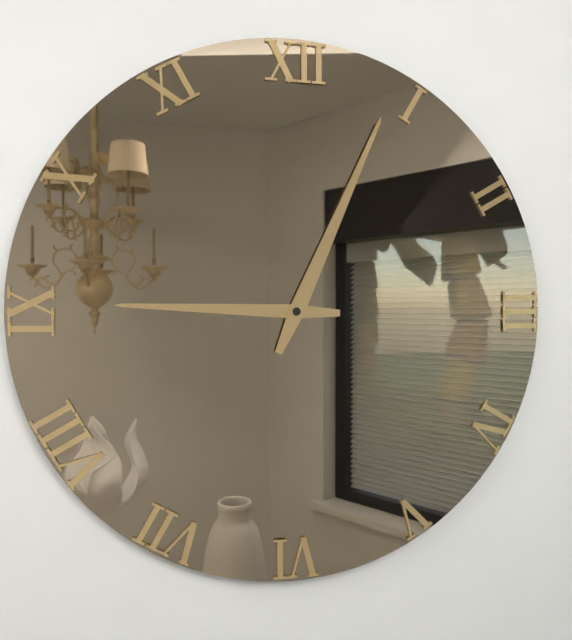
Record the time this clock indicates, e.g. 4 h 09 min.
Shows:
9 h 04 min
